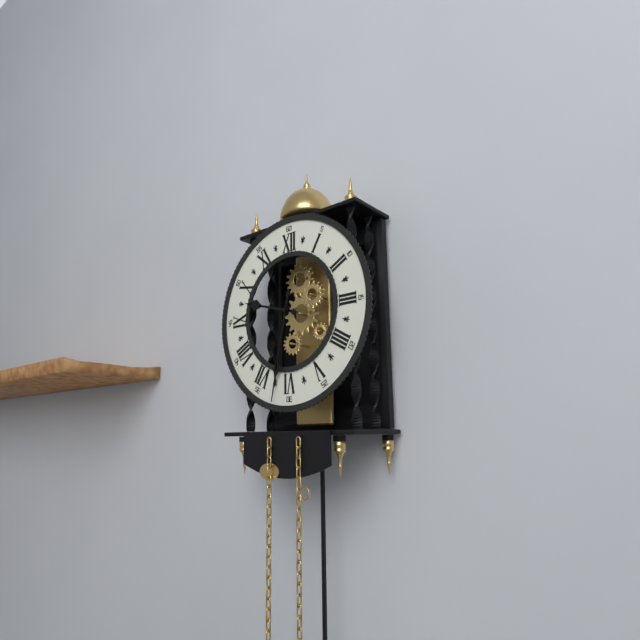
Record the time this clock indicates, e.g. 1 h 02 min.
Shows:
9 h 32 min
